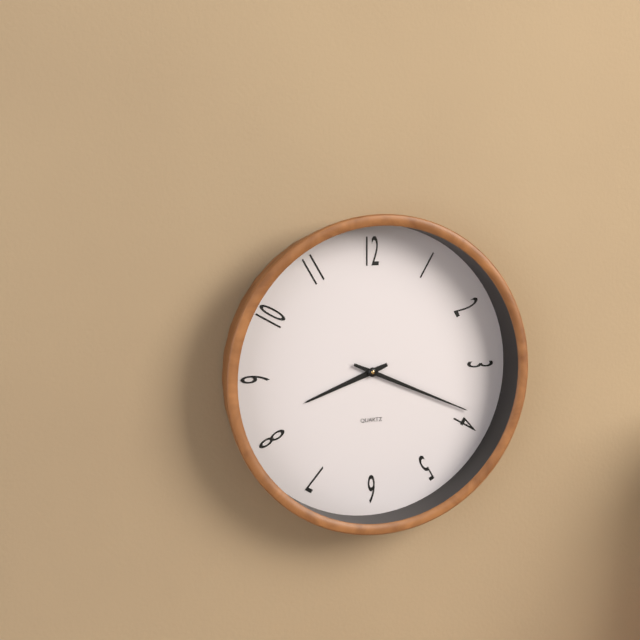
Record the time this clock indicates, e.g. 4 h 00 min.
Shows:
8 h 19 min
